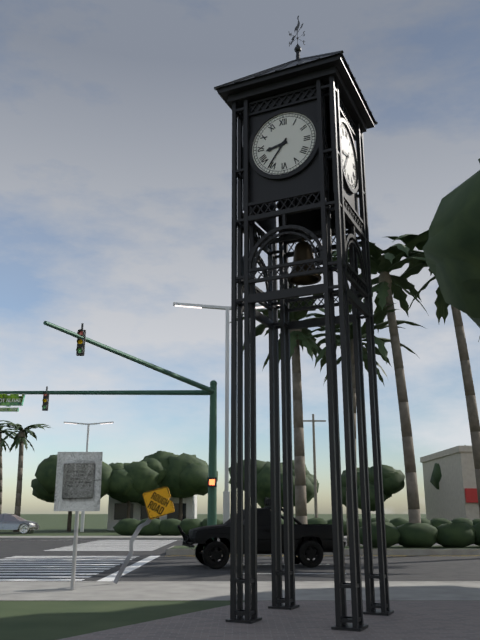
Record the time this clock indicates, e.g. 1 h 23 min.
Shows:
8 h 36 min
